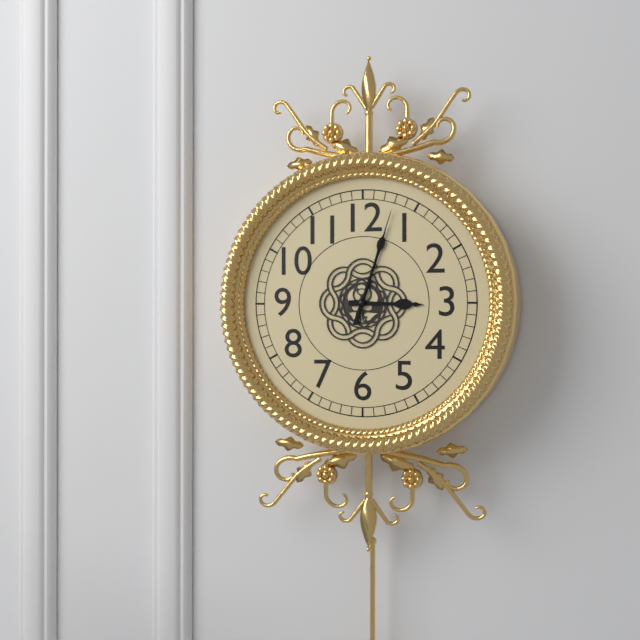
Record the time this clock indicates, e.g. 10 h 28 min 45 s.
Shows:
3 h 03 min 03 s
